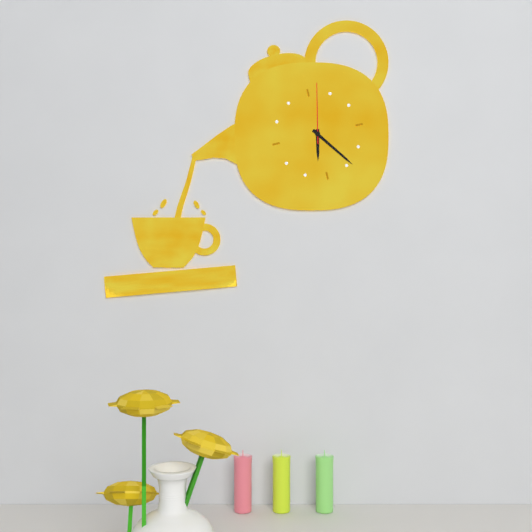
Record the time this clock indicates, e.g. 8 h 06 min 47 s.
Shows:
6 h 24 min 02 s
